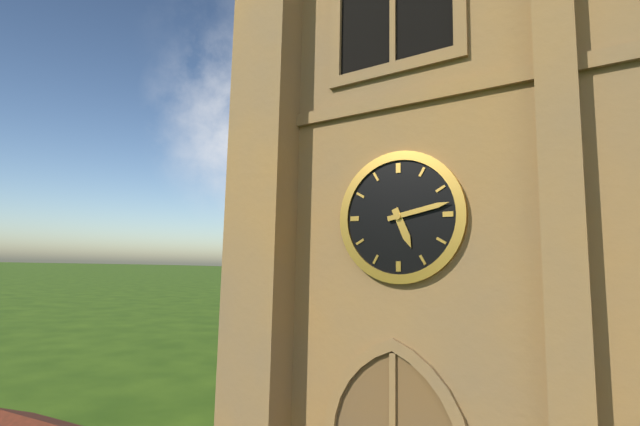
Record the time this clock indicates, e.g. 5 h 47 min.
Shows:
5 h 13 min
